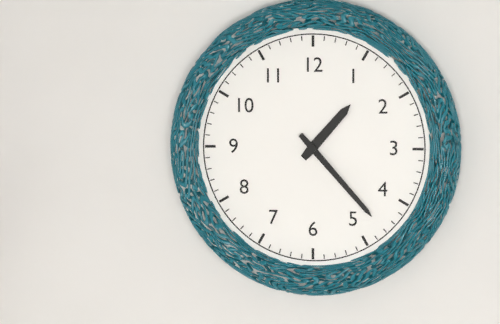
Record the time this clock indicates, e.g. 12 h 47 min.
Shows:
1 h 23 min
